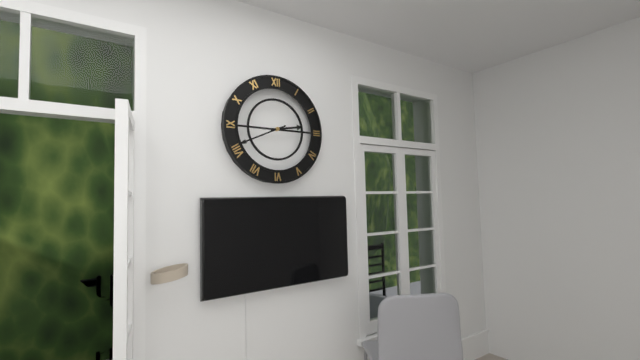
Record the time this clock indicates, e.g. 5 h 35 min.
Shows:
2 h 41 min
